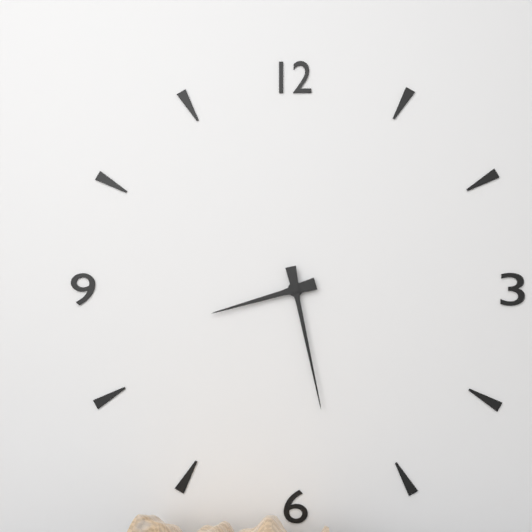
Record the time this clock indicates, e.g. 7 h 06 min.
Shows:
8 h 28 min
